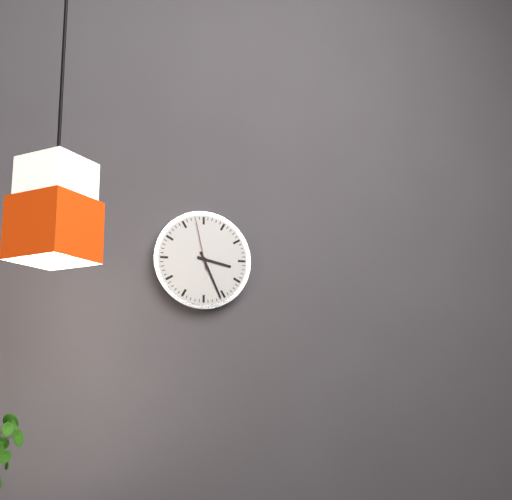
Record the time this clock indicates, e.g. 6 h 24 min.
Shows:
3 h 26 min
